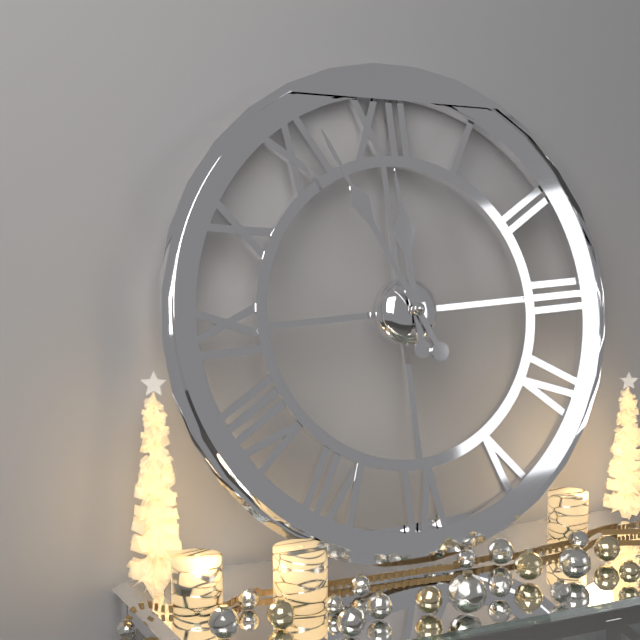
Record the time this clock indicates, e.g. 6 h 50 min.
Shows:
11 h 56 min
